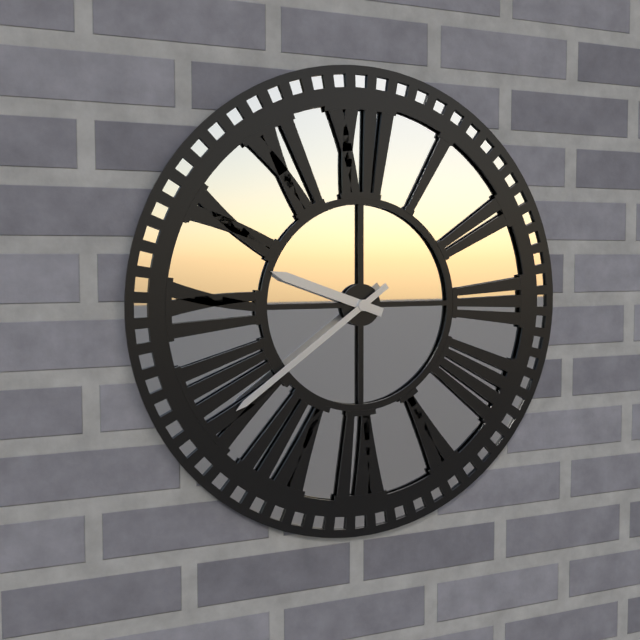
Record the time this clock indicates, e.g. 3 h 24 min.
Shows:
9 h 39 min
